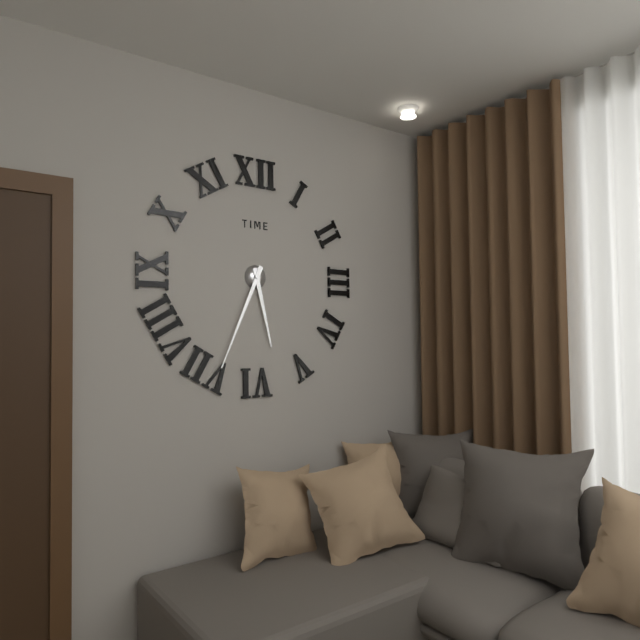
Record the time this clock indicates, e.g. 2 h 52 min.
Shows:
5 h 34 min
